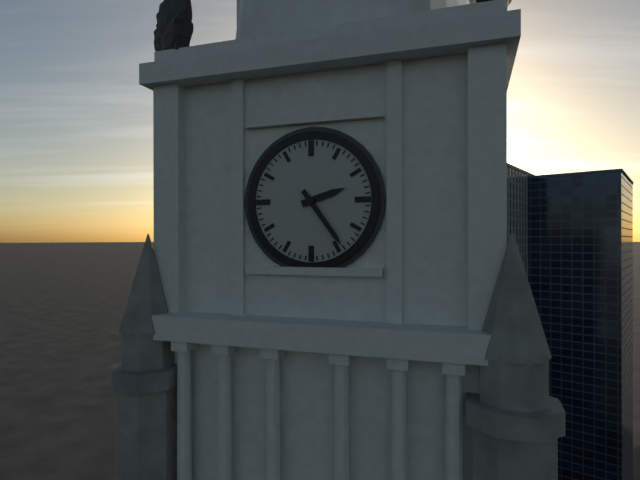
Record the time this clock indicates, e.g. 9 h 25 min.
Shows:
2 h 24 min
